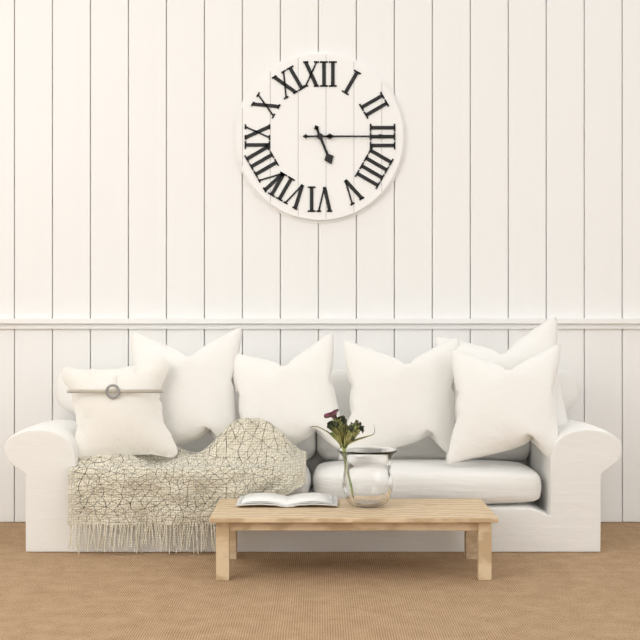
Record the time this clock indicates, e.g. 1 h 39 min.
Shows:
5 h 15 min
